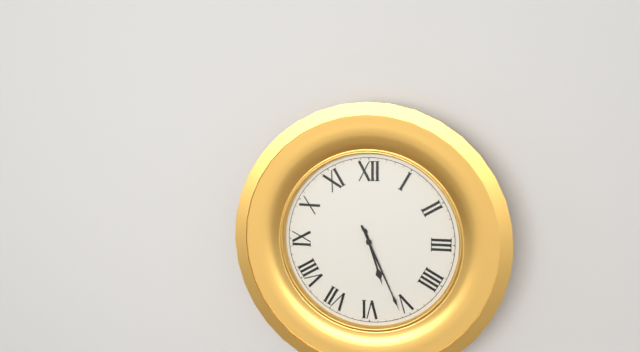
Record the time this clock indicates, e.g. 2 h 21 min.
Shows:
5 h 26 min
